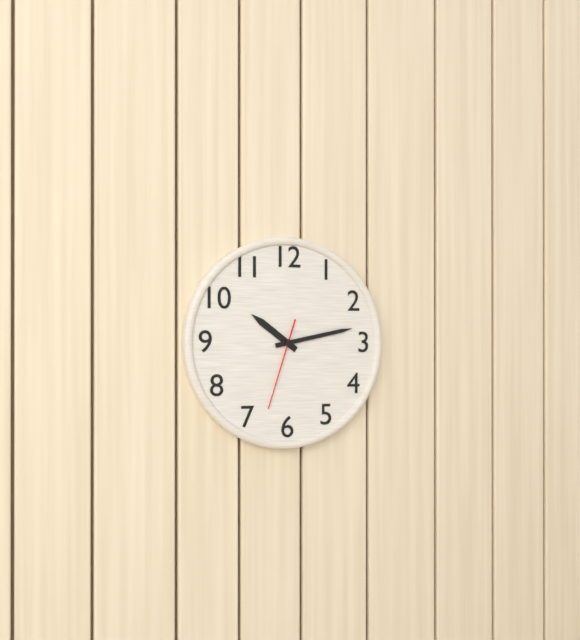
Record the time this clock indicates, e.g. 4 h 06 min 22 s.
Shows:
10 h 13 min 33 s
